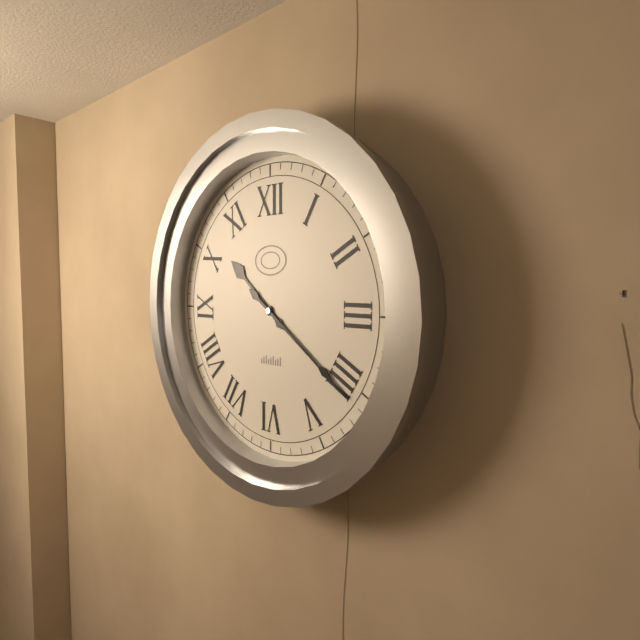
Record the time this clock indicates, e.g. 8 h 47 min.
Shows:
10 h 21 min
